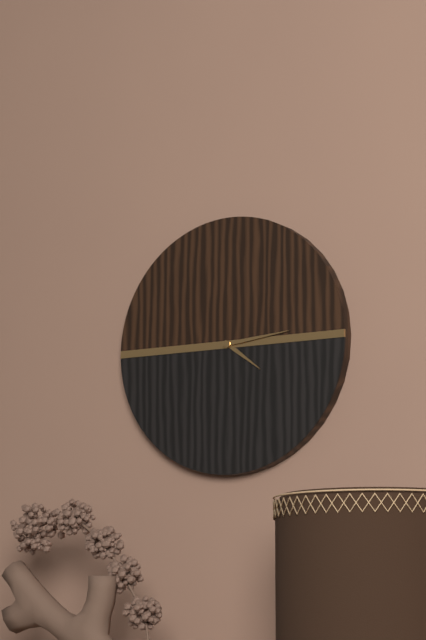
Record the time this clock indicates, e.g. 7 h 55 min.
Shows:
4 h 14 min
